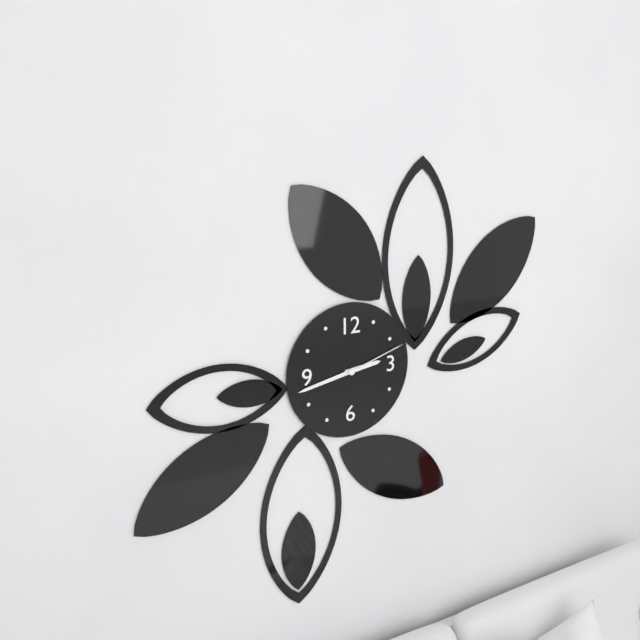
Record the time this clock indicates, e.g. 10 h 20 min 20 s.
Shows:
2 h 43 min 12 s
